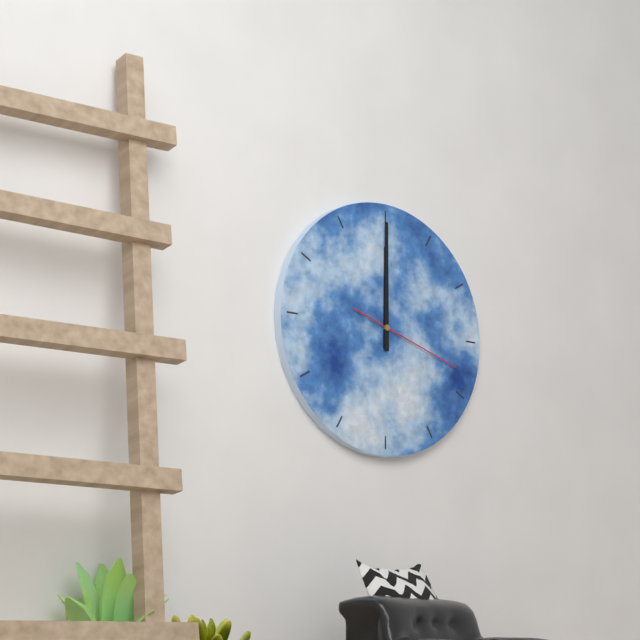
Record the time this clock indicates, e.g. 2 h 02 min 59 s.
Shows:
12 h 00 min 18 s
